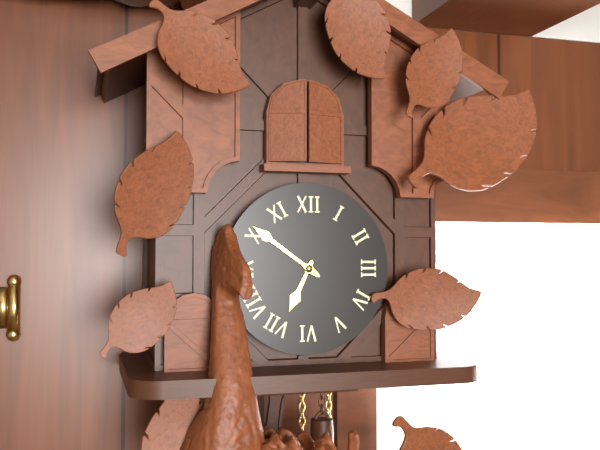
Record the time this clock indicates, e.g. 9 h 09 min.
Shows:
6 h 51 min
